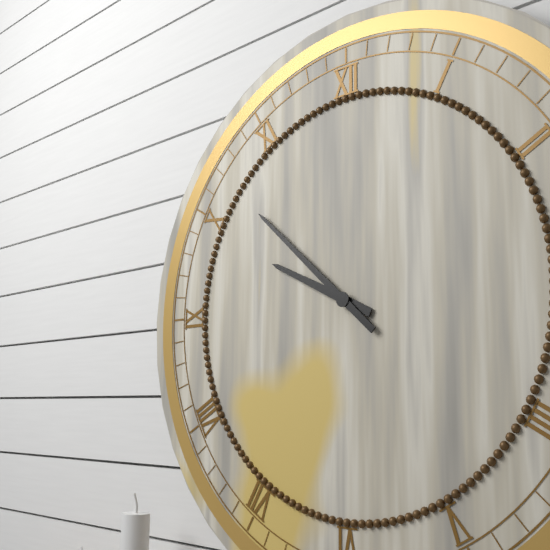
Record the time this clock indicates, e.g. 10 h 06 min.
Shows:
9 h 52 min
